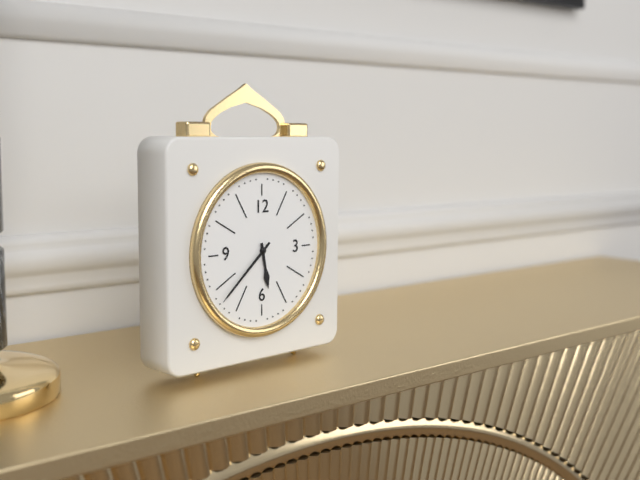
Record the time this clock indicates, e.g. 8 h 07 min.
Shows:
5 h 38 min
